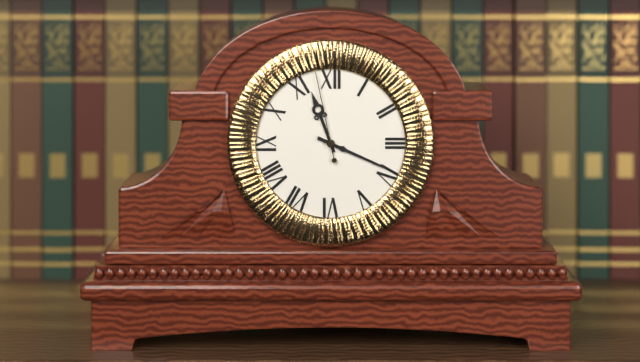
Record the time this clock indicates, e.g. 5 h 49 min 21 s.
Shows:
11 h 19 min 58 s
